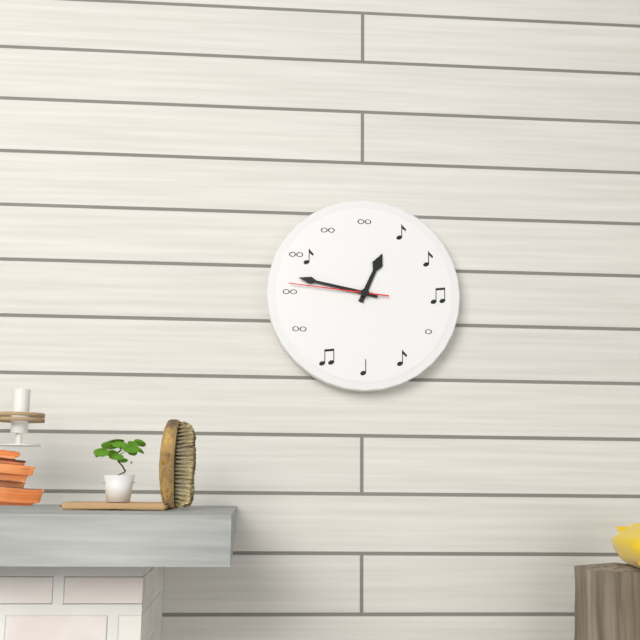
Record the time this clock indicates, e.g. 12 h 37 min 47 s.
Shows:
12 h 47 min 46 s
